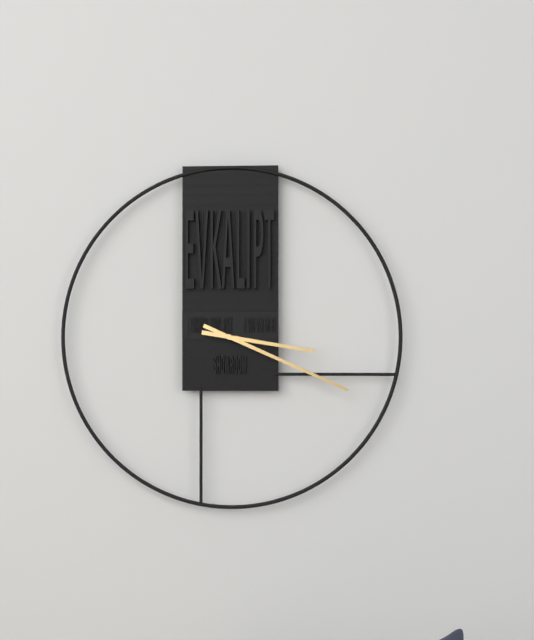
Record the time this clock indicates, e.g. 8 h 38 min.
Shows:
3 h 19 min
